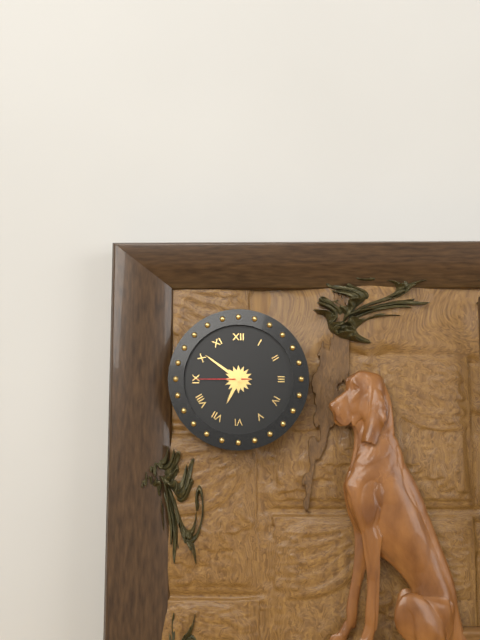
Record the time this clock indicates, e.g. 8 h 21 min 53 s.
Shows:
6 h 51 min 45 s
